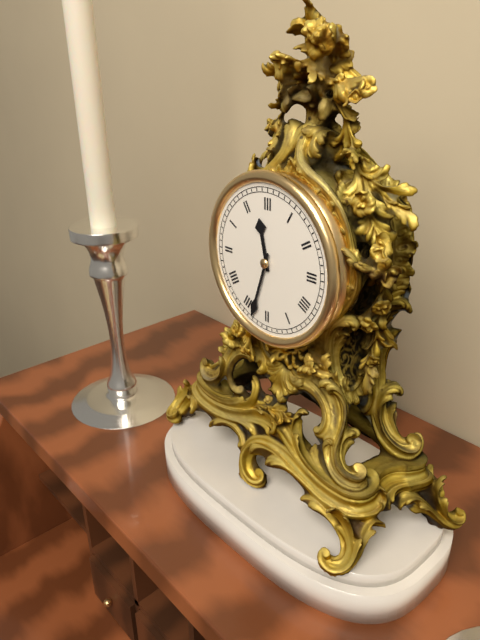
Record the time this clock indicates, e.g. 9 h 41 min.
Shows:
11 h 33 min
